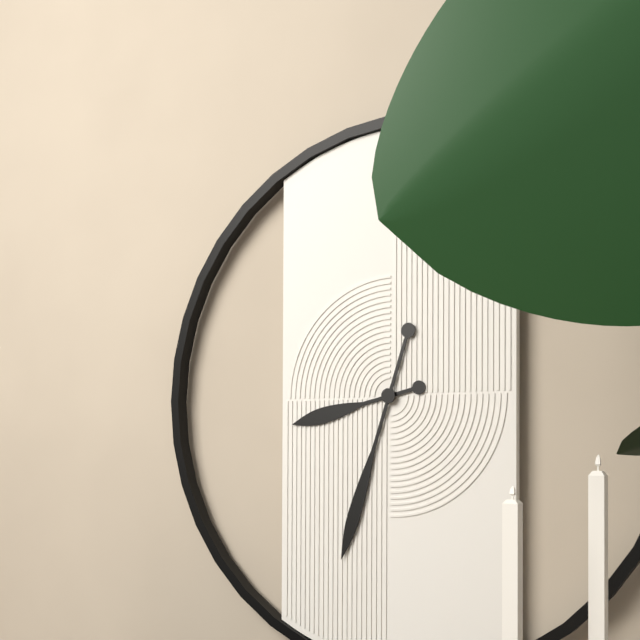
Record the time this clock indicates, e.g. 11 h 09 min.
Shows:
8 h 33 min
